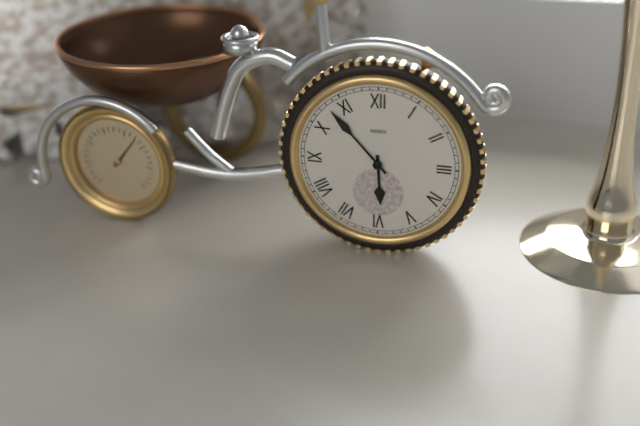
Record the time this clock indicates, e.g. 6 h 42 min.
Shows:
5 h 53 min
